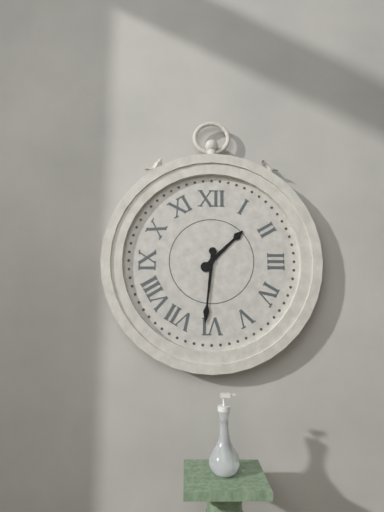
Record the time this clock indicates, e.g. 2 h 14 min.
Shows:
1 h 31 min
